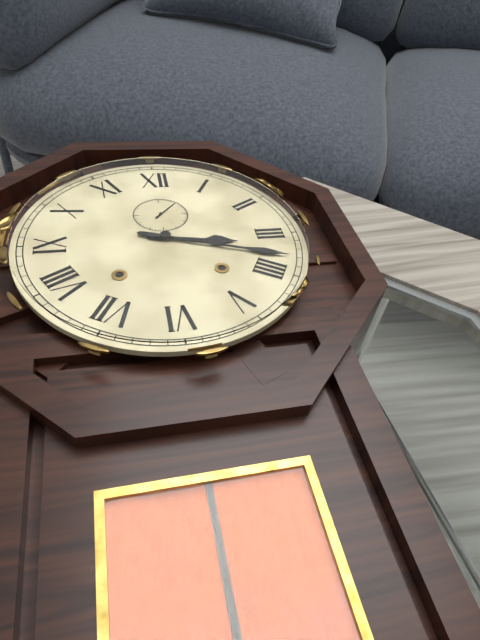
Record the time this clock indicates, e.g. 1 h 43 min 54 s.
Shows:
3 h 18 min 07 s
